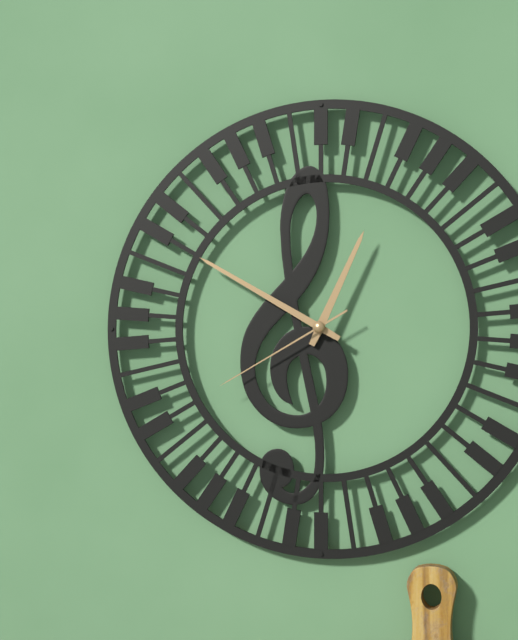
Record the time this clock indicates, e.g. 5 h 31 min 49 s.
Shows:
12 h 50 min 40 s
